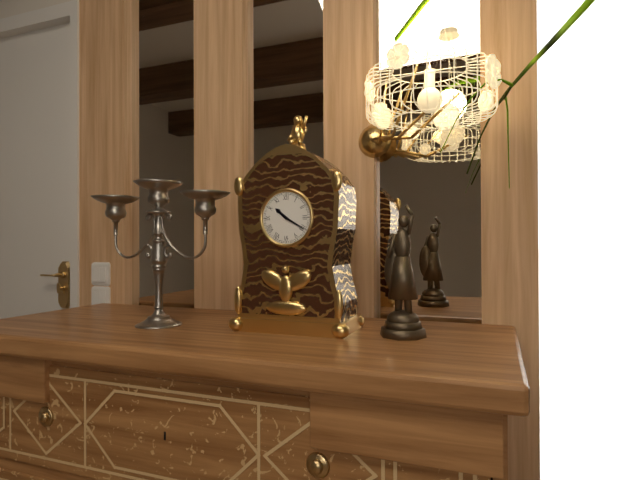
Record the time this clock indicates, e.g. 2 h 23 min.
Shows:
10 h 20 min
